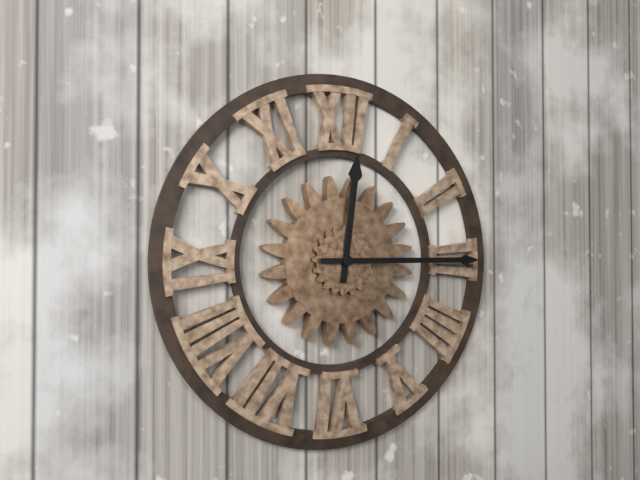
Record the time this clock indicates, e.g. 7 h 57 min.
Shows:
12 h 15 min
